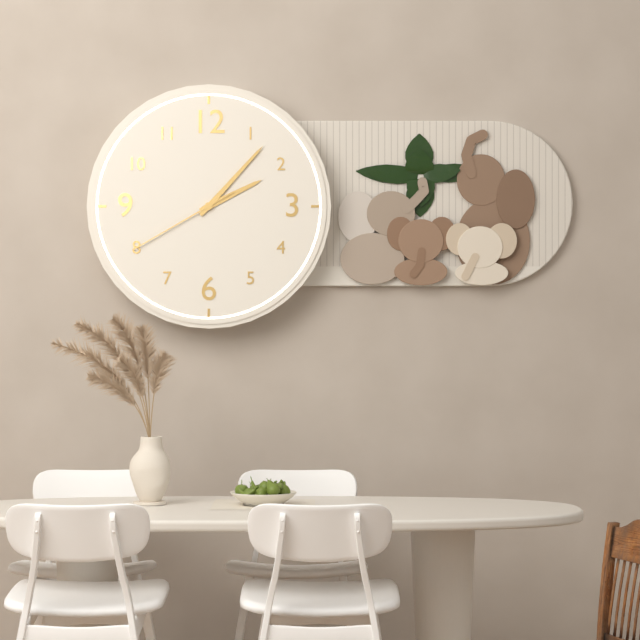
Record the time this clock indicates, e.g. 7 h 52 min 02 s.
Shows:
2 h 07 min 40 s
